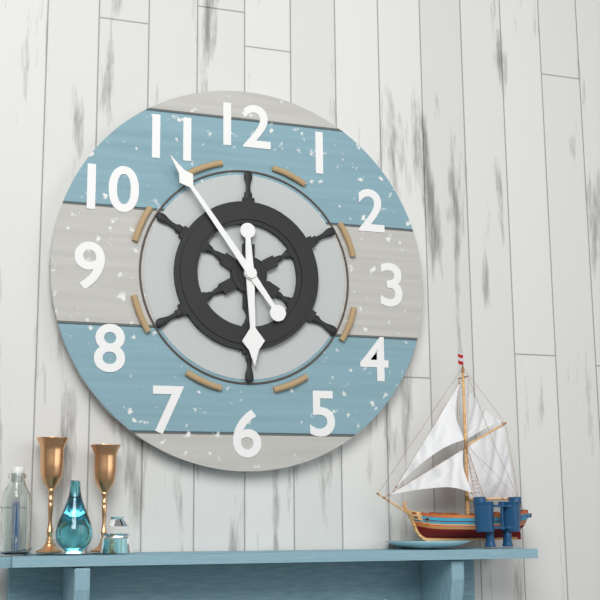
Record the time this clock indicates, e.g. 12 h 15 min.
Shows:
5 h 54 min
